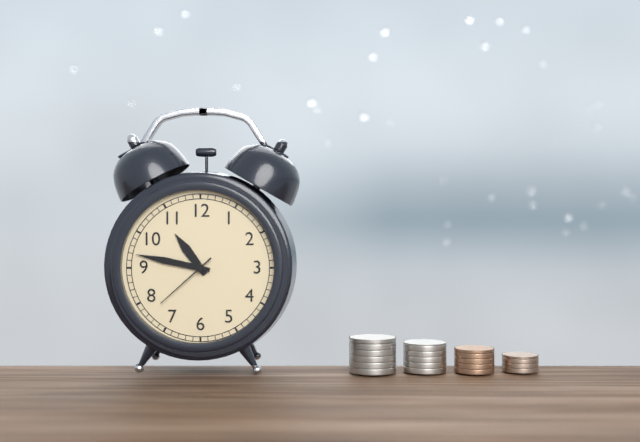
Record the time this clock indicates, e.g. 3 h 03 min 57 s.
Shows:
10 h 47 min 38 s
